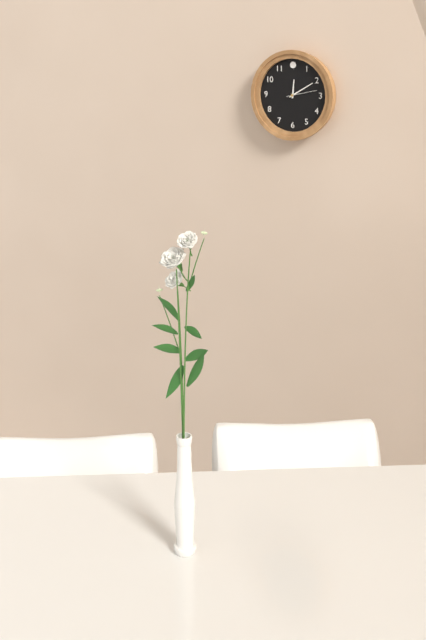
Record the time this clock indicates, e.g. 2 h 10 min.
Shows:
12 h 10 min
